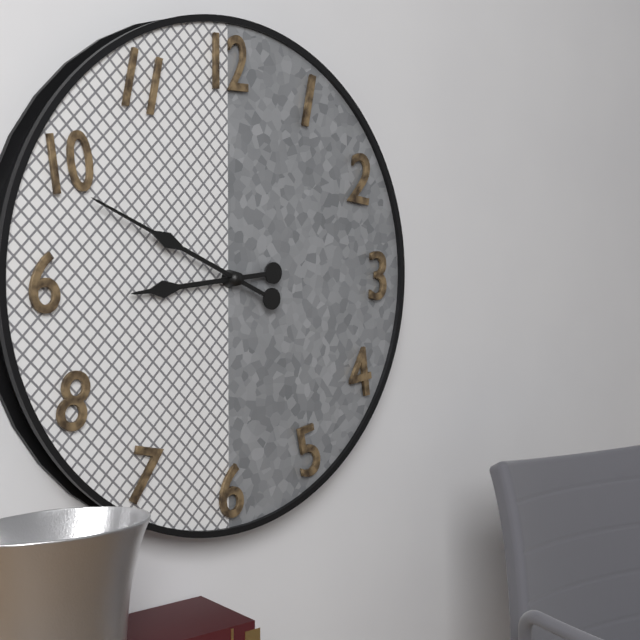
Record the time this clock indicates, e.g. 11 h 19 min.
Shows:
8 h 49 min
